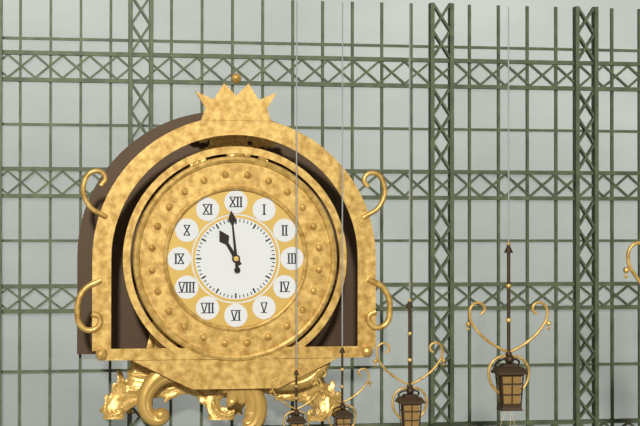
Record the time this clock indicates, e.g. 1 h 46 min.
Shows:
10 h 59 min
